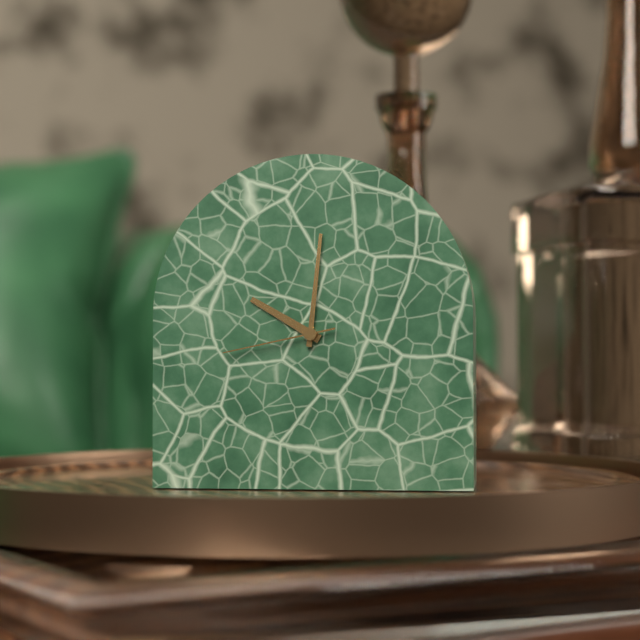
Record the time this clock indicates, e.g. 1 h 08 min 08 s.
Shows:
10 h 01 min 43 s
